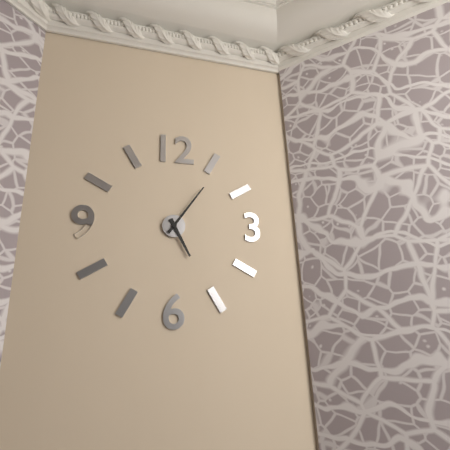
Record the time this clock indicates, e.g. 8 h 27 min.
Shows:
5 h 06 min
